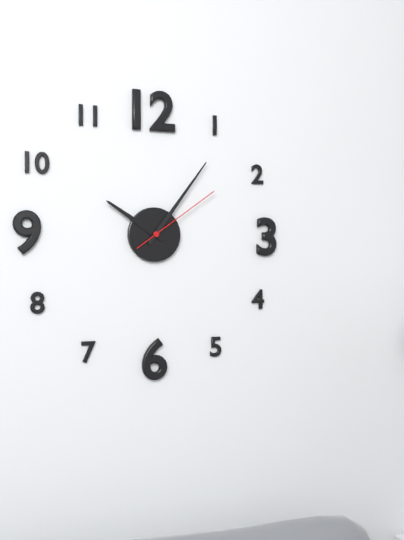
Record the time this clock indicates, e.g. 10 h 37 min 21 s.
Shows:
10 h 06 min 09 s
